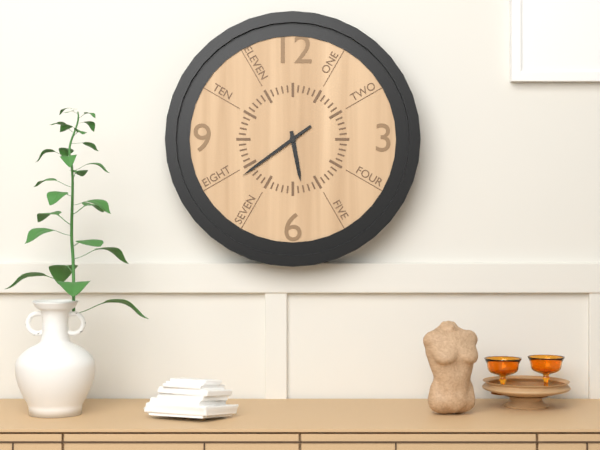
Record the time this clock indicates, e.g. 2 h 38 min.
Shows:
5 h 39 min
